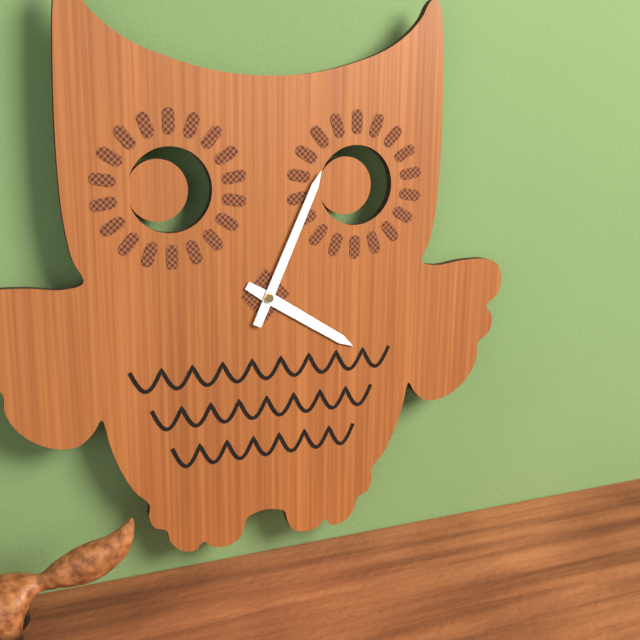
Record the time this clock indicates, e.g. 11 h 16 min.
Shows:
4 h 04 min
